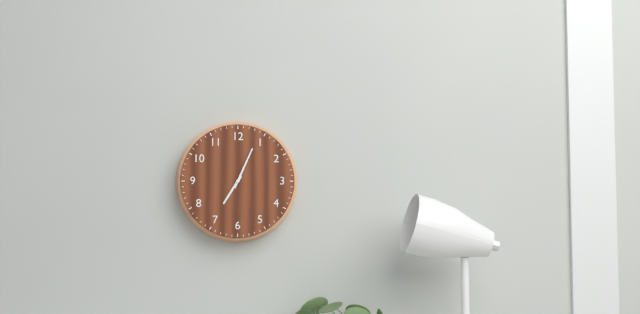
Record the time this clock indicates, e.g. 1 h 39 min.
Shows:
7 h 04 min
